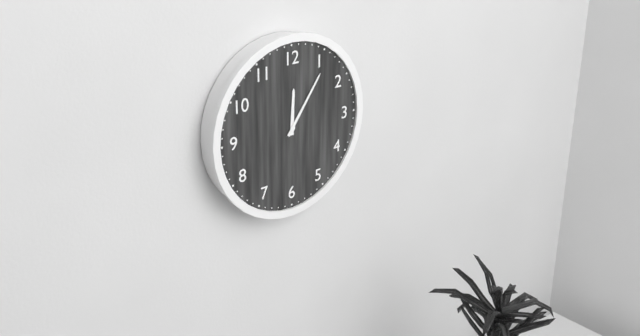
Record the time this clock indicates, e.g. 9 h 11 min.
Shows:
12 h 06 min
